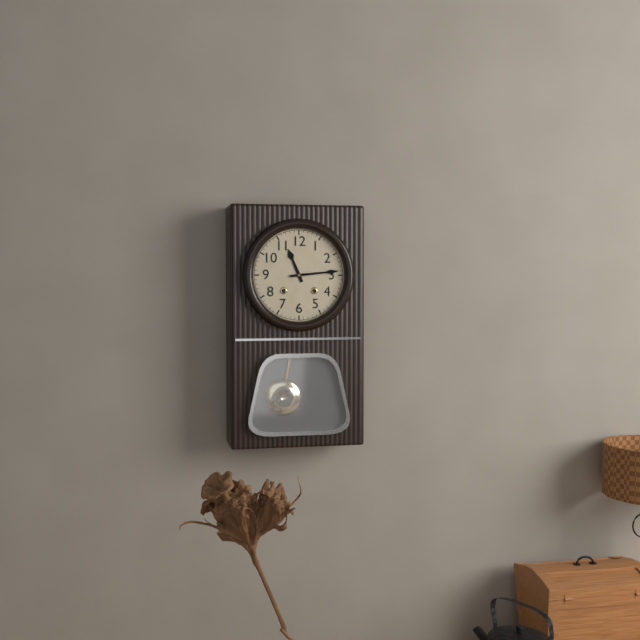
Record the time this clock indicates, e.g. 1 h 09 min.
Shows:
11 h 14 min
